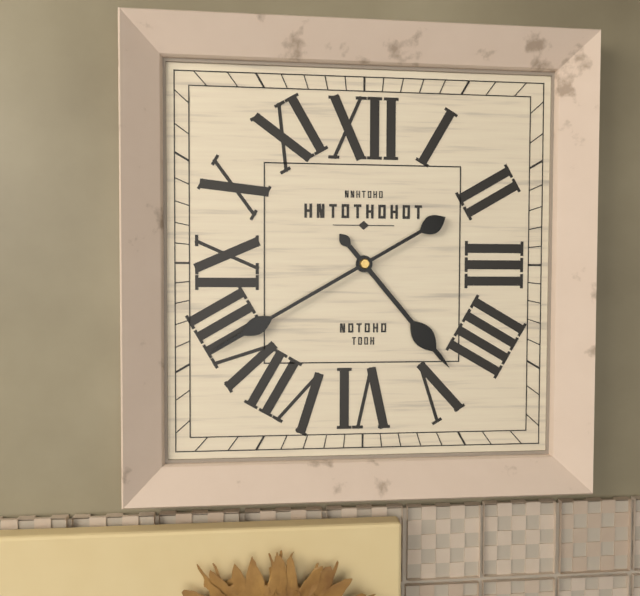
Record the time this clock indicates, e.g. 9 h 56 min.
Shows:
4 h 40 min
